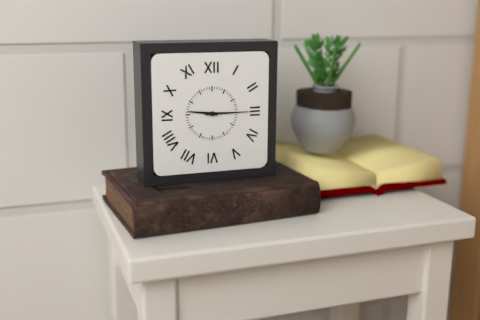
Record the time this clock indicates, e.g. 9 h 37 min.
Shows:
9 h 15 min
